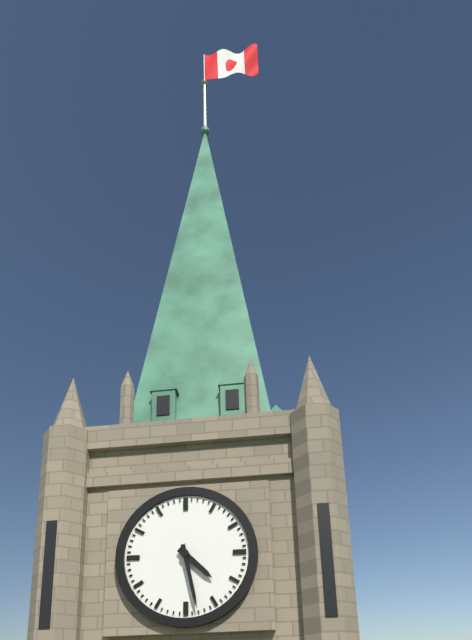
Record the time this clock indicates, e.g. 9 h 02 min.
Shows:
4 h 28 min
